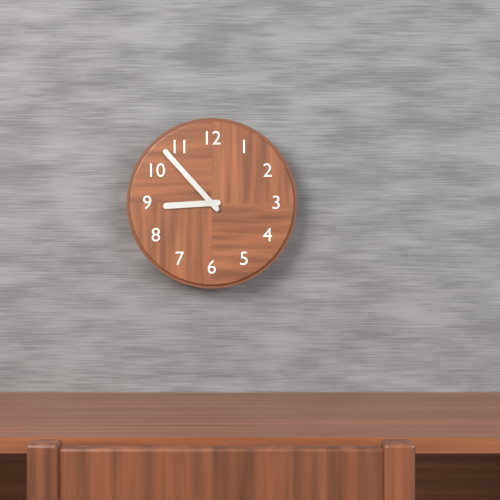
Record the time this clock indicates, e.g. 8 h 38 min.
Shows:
8 h 53 min
